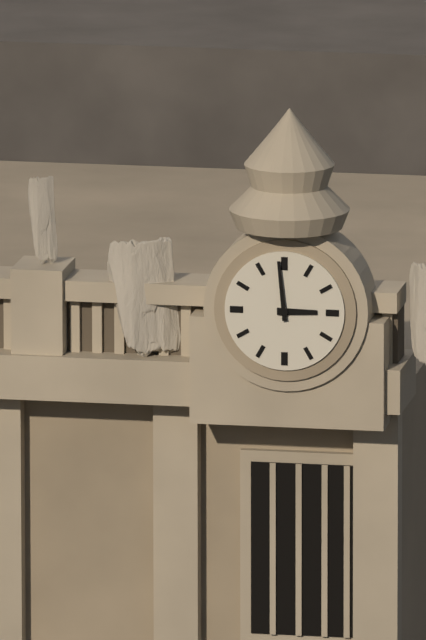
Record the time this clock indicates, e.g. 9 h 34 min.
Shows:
2 h 59 min
